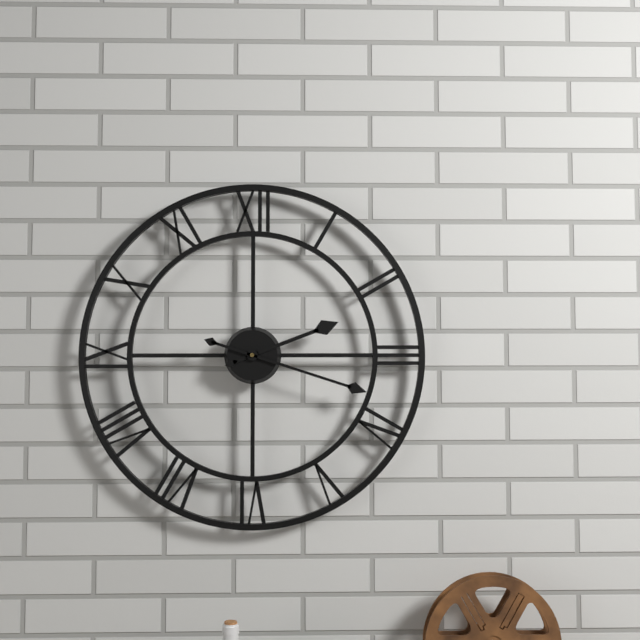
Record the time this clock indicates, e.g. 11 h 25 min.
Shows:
2 h 18 min
